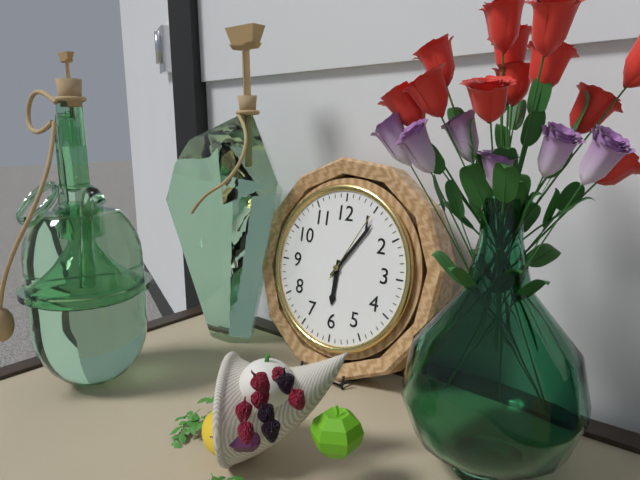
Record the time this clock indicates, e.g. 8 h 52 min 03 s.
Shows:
6 h 06 min 05 s
